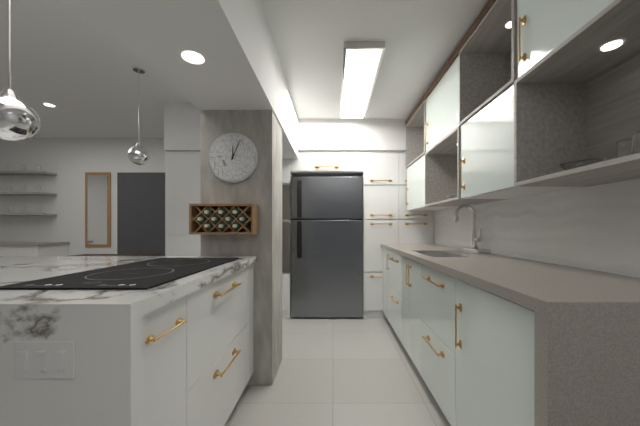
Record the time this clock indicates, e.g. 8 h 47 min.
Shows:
12 h 04 min
